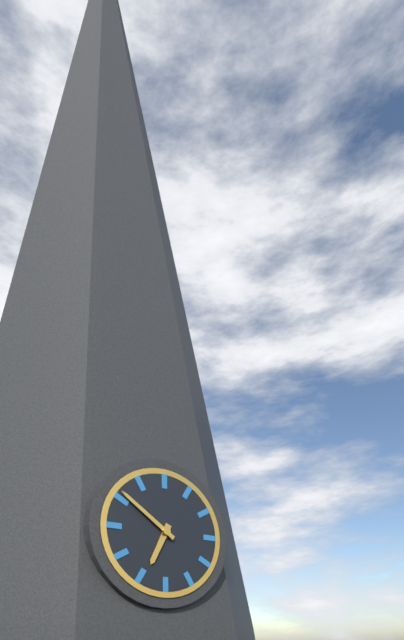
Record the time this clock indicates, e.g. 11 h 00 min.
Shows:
6 h 51 min
